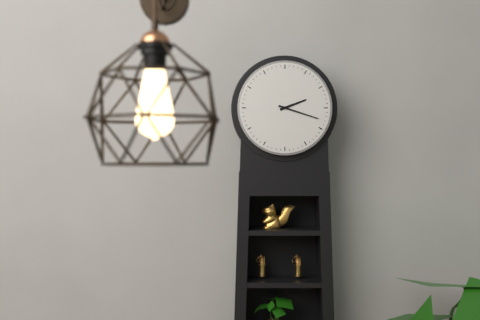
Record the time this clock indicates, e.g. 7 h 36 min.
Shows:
2 h 18 min
